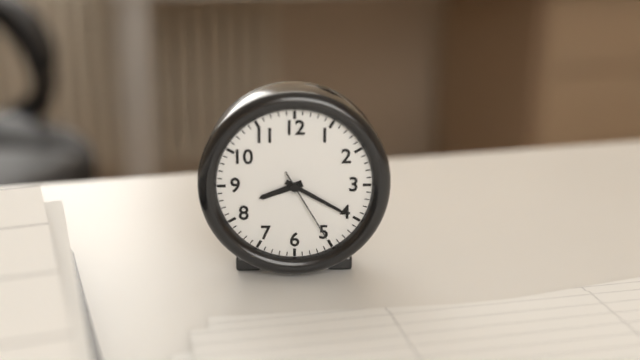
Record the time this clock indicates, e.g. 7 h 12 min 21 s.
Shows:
8 h 20 min 25 s
